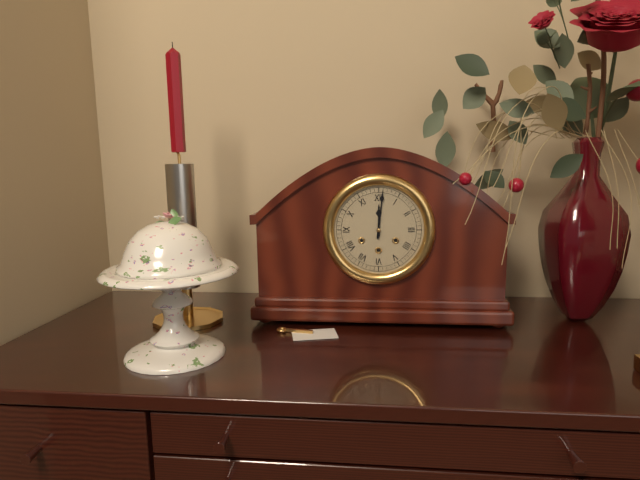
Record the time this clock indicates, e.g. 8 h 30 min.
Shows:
12 h 01 min
